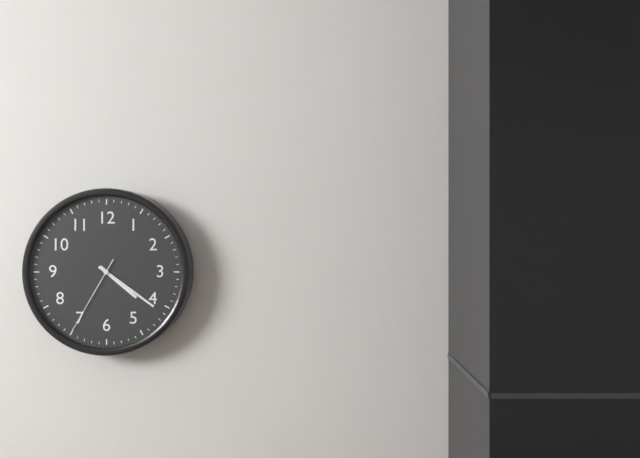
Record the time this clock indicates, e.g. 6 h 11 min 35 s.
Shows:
4 h 21 min 35 s
